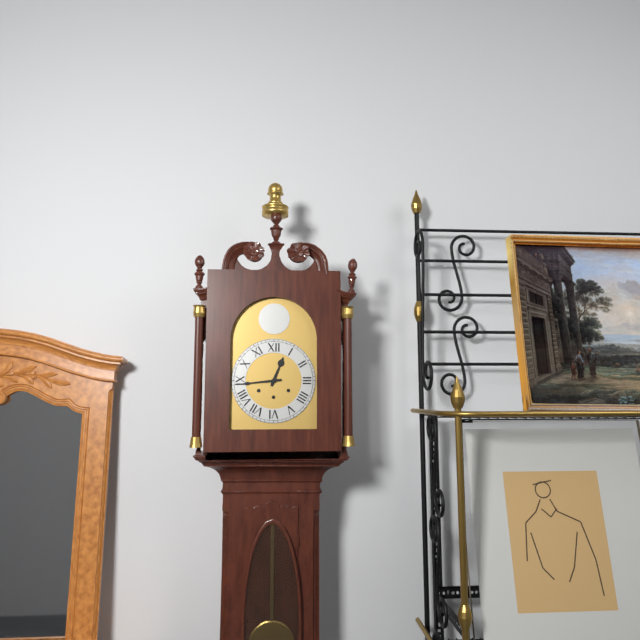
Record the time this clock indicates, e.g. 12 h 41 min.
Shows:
12 h 44 min
